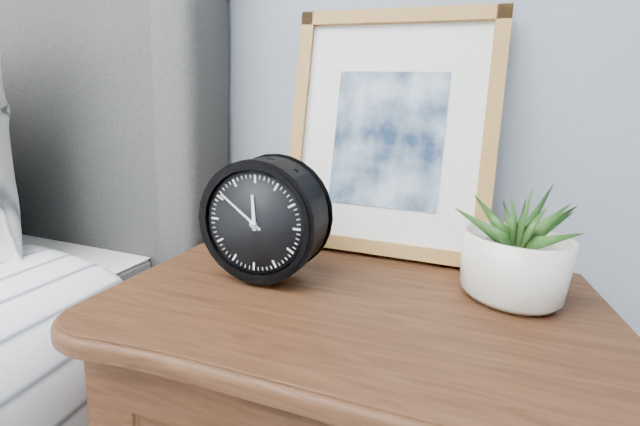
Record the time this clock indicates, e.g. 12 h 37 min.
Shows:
11 h 51 min
